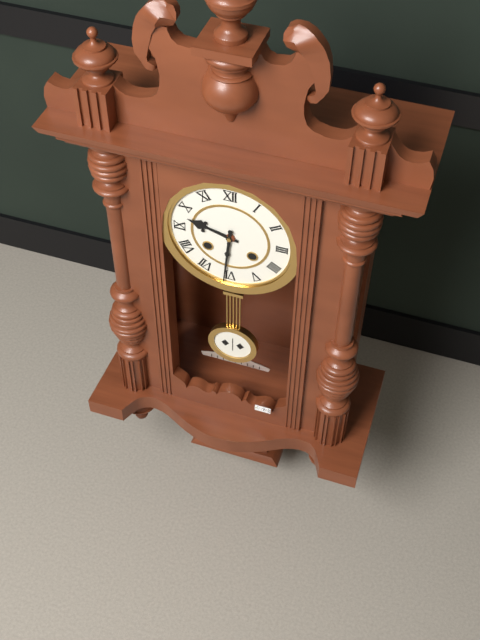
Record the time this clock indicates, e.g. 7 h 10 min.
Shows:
9 h 31 min
